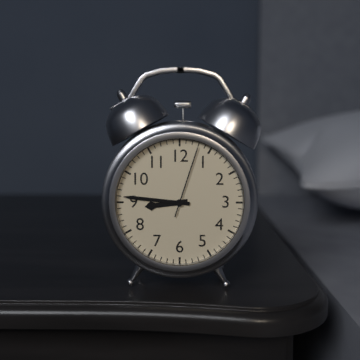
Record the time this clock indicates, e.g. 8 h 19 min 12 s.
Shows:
8 h 46 min 03 s
